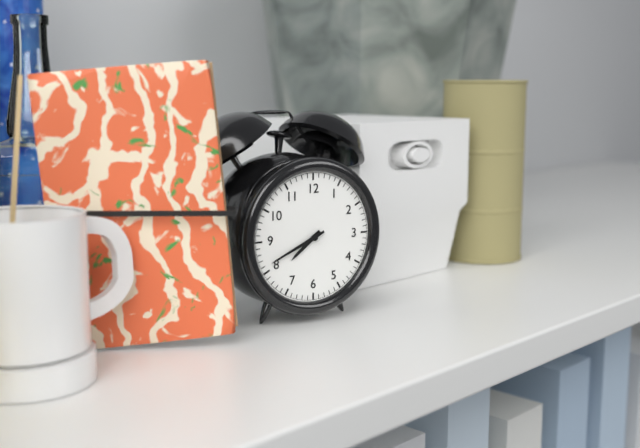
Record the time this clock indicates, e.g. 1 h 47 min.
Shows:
7 h 41 min
